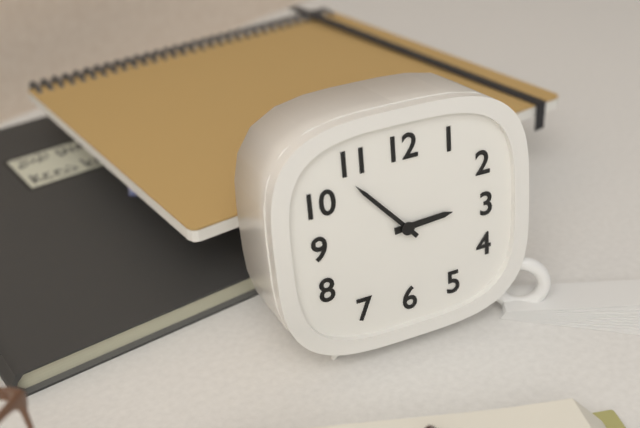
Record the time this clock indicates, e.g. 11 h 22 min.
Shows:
2 h 53 min
